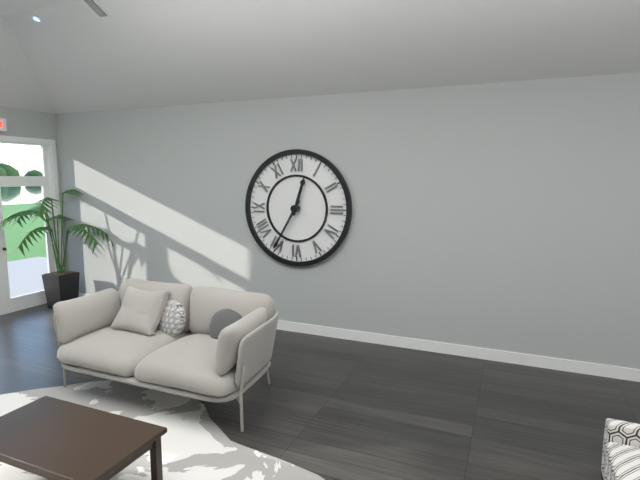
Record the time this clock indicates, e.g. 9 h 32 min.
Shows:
12 h 35 min
